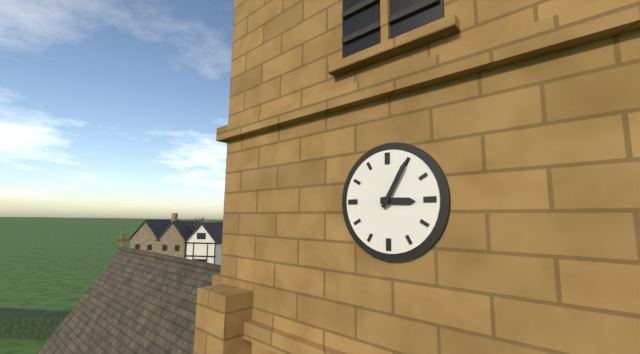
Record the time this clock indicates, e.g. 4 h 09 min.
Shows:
3 h 05 min
